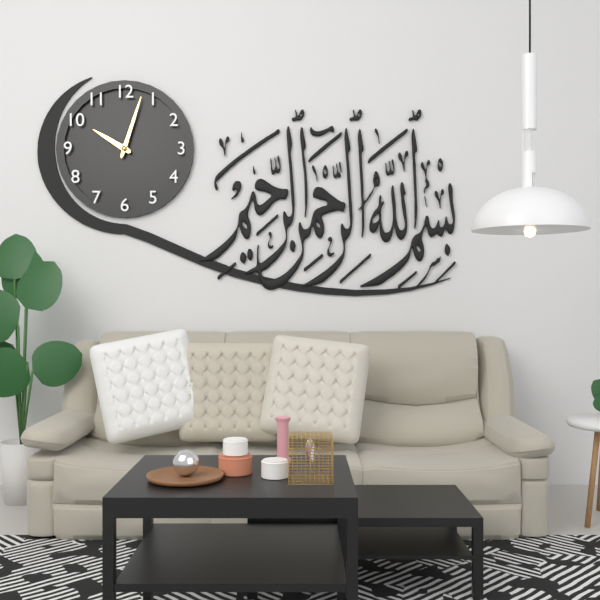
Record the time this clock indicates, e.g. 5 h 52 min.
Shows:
10 h 03 min
